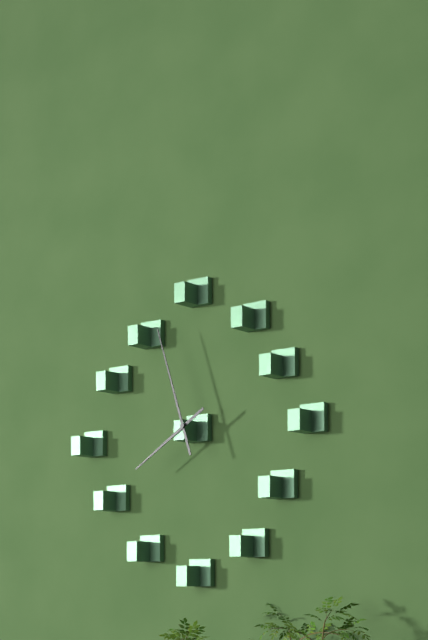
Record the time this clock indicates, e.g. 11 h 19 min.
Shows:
7 h 57 min
